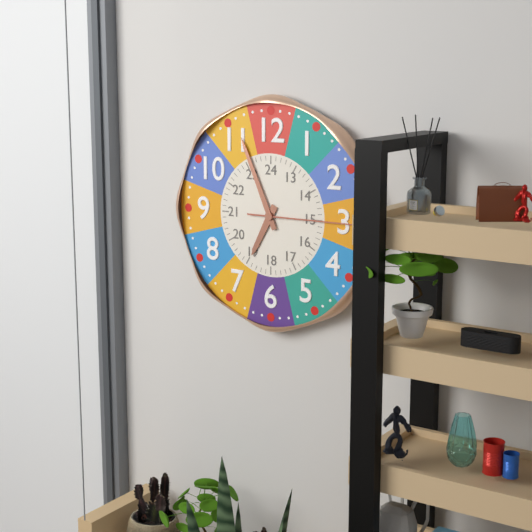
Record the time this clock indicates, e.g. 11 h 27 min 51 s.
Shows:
6 h 56 min 15 s
